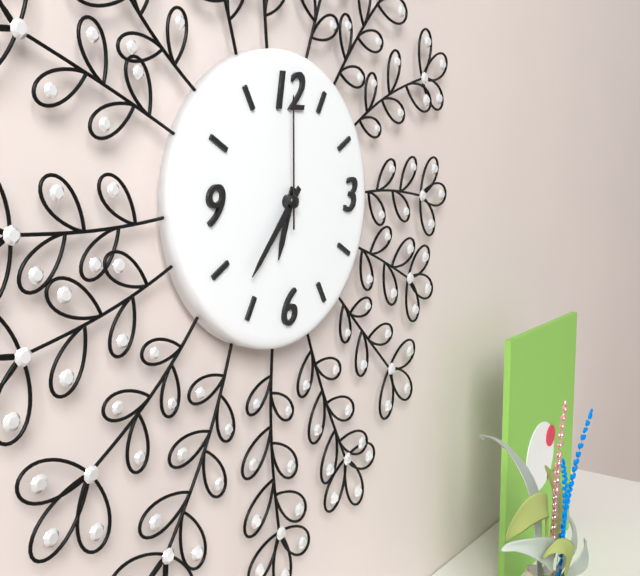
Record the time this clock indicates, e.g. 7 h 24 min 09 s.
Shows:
6 h 37 min 00 s
